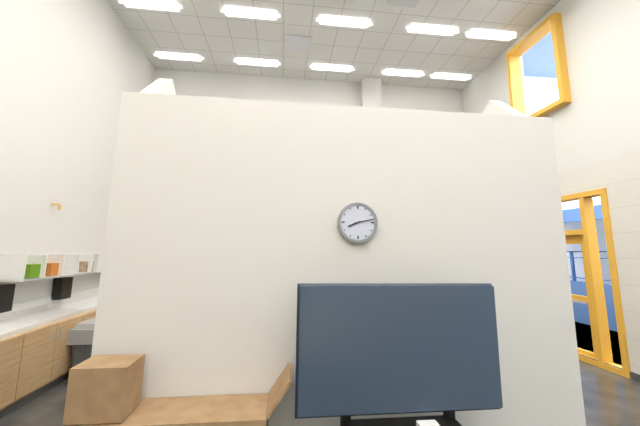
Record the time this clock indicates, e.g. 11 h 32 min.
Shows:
8 h 13 min
